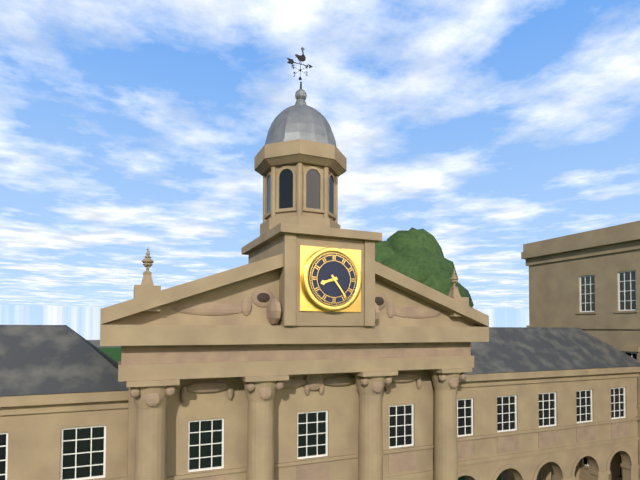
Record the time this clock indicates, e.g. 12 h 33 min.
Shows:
8 h 24 min
